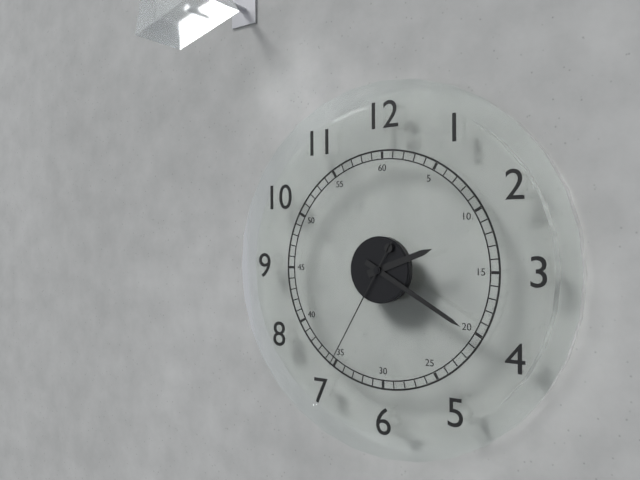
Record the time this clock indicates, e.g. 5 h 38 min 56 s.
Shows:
2 h 20 min 35 s
